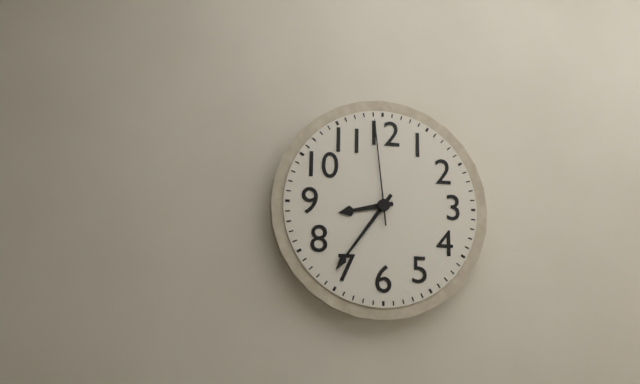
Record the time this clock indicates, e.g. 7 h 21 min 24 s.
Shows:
8 h 36 min 59 s
